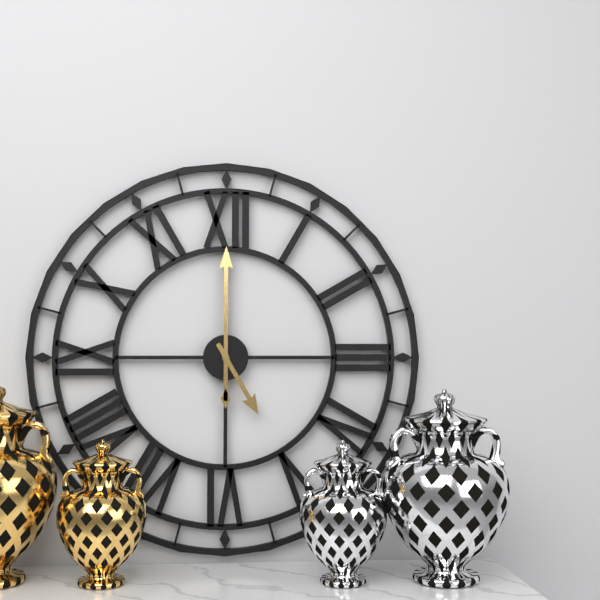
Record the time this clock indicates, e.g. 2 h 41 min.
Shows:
5 h 00 min
